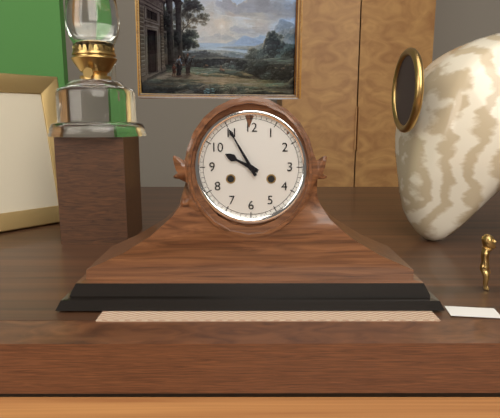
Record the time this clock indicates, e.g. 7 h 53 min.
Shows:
9 h 55 min
